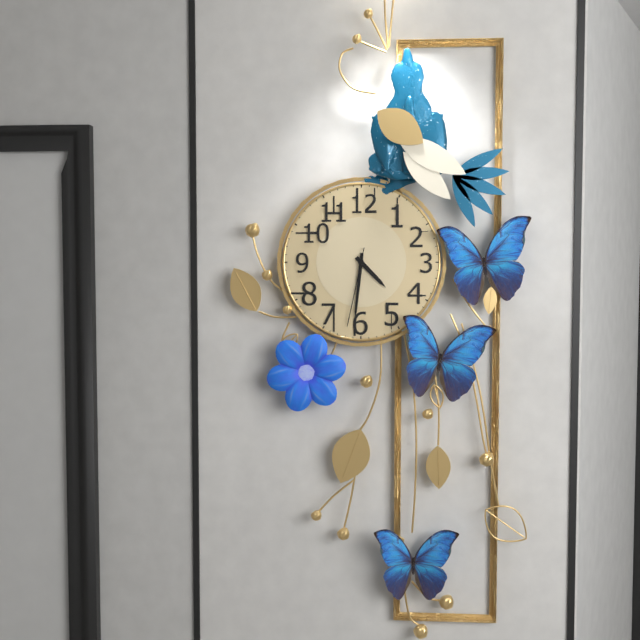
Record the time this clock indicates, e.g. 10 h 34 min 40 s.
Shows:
4 h 31 min 32 s
